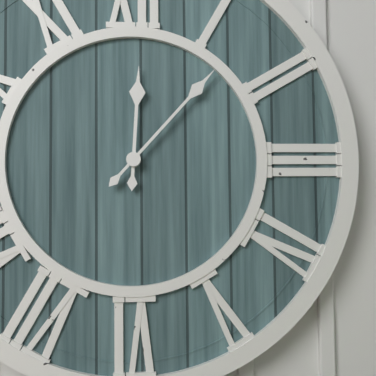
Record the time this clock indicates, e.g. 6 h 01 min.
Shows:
12 h 07 min
